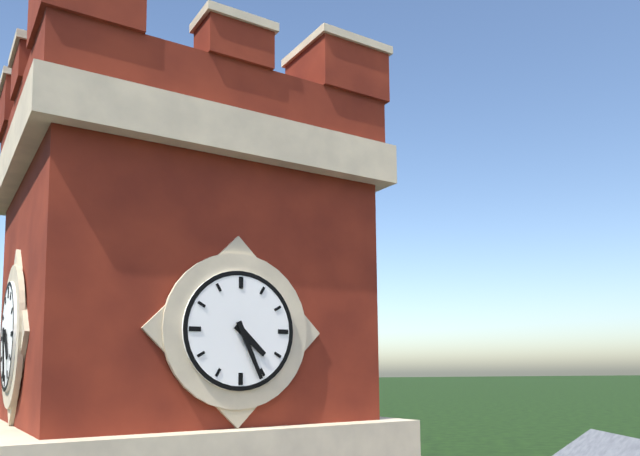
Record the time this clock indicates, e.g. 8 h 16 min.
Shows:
4 h 26 min
